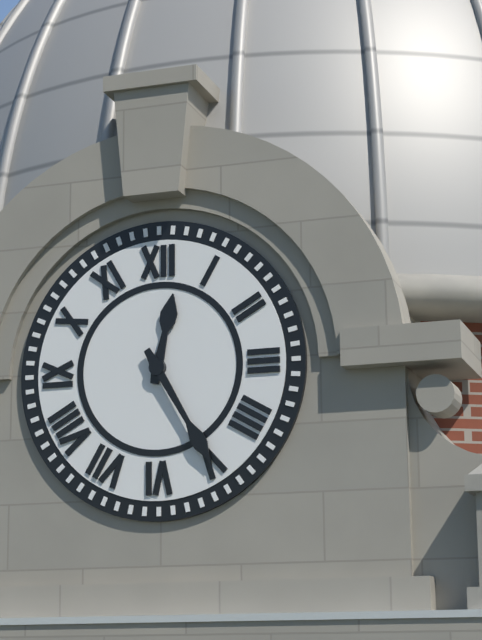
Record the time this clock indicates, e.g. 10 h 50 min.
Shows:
12 h 25 min
